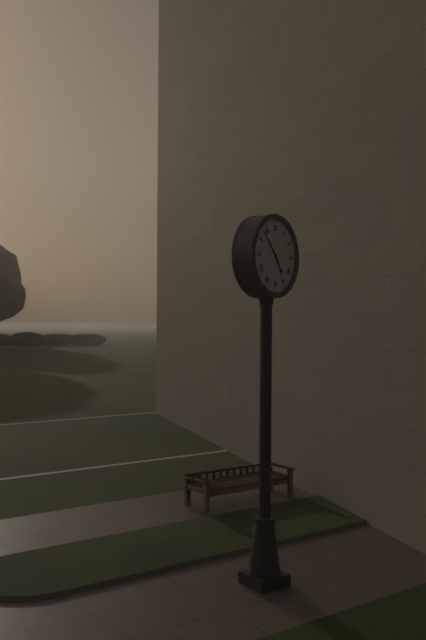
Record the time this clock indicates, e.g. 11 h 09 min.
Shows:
4 h 53 min
